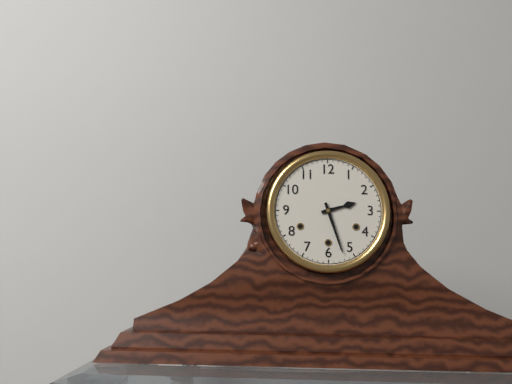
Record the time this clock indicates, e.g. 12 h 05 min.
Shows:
2 h 27 min
